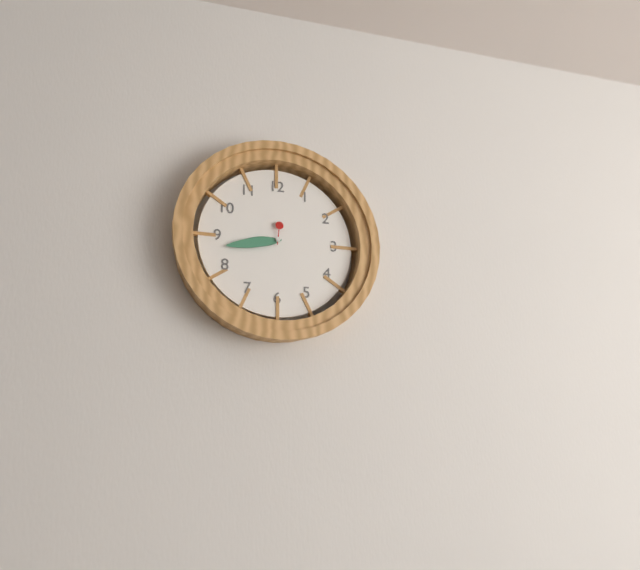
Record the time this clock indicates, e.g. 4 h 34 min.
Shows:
8 h 43 min
